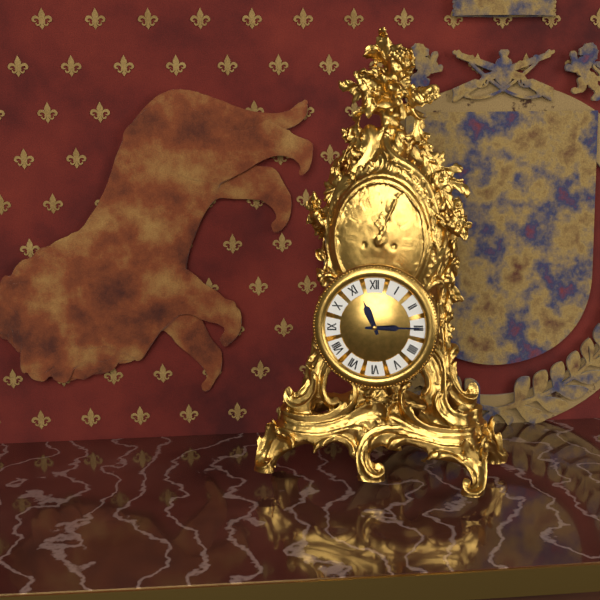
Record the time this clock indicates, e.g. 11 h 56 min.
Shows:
11 h 15 min
